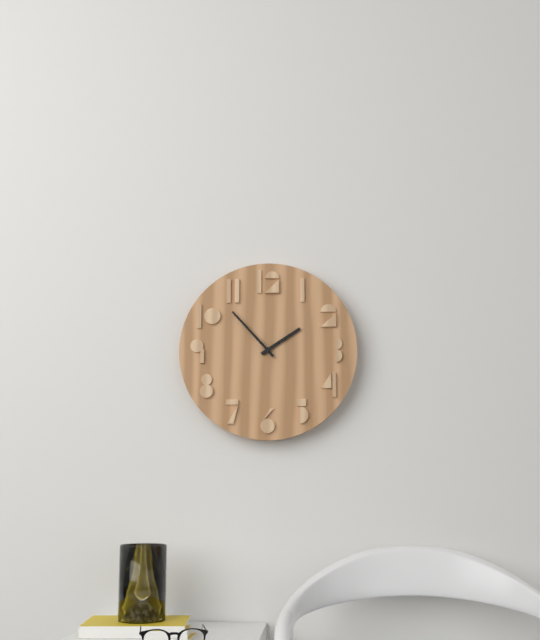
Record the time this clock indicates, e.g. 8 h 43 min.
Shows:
1 h 53 min
